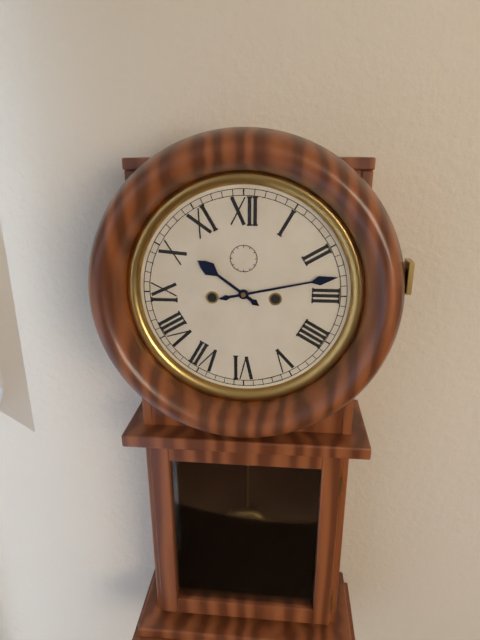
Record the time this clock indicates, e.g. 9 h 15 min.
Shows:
10 h 13 min
